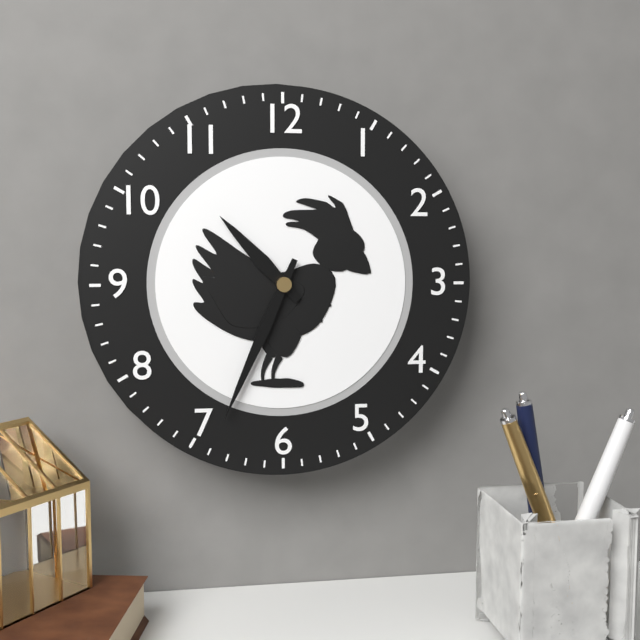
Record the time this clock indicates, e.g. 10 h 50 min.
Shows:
10 h 34 min
